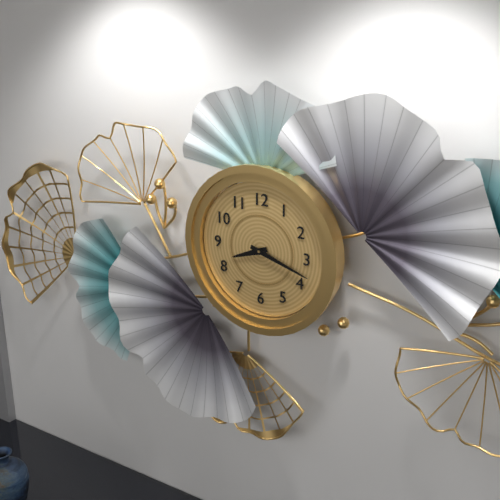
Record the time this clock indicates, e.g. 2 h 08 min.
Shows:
8 h 18 min
